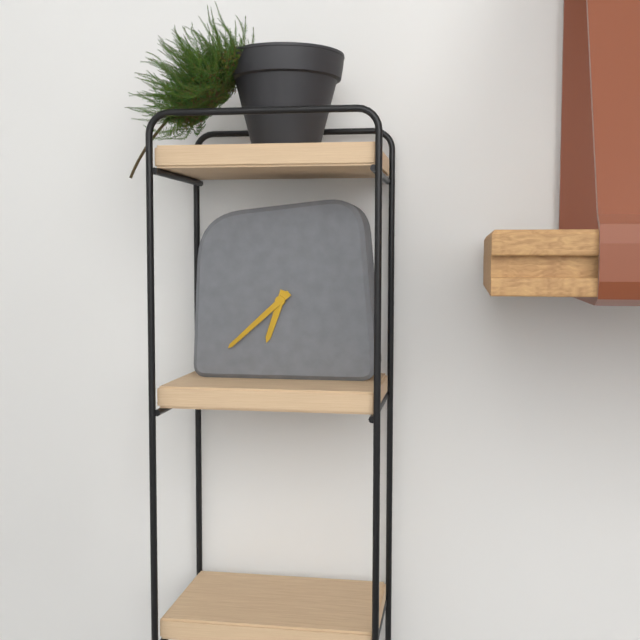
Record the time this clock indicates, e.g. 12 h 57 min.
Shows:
6 h 38 min
